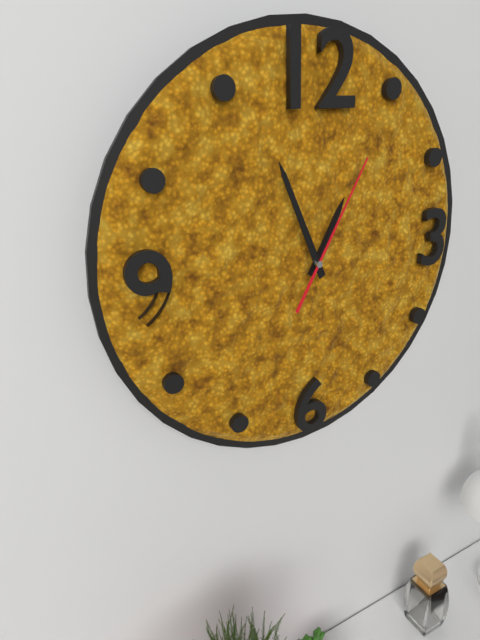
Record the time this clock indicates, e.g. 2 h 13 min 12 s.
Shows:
12 h 56 min 05 s
